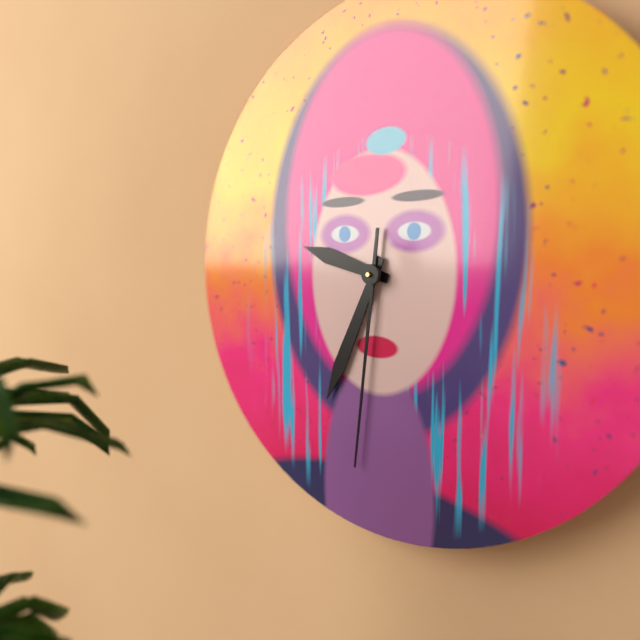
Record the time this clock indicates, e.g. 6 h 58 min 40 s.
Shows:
9 h 34 min 31 s
